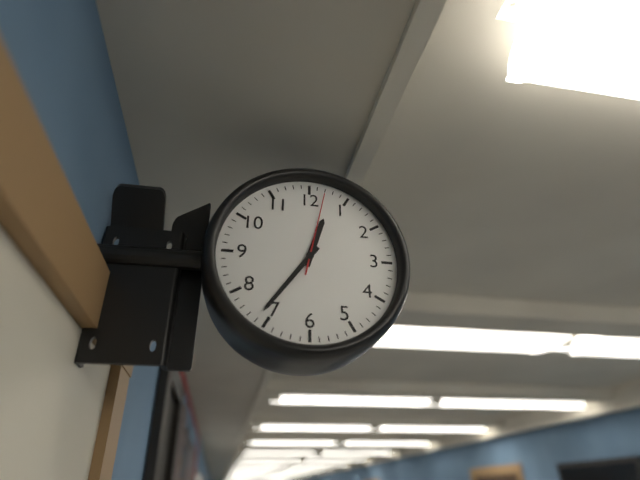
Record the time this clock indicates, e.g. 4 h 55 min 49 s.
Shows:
12 h 36 min 02 s
